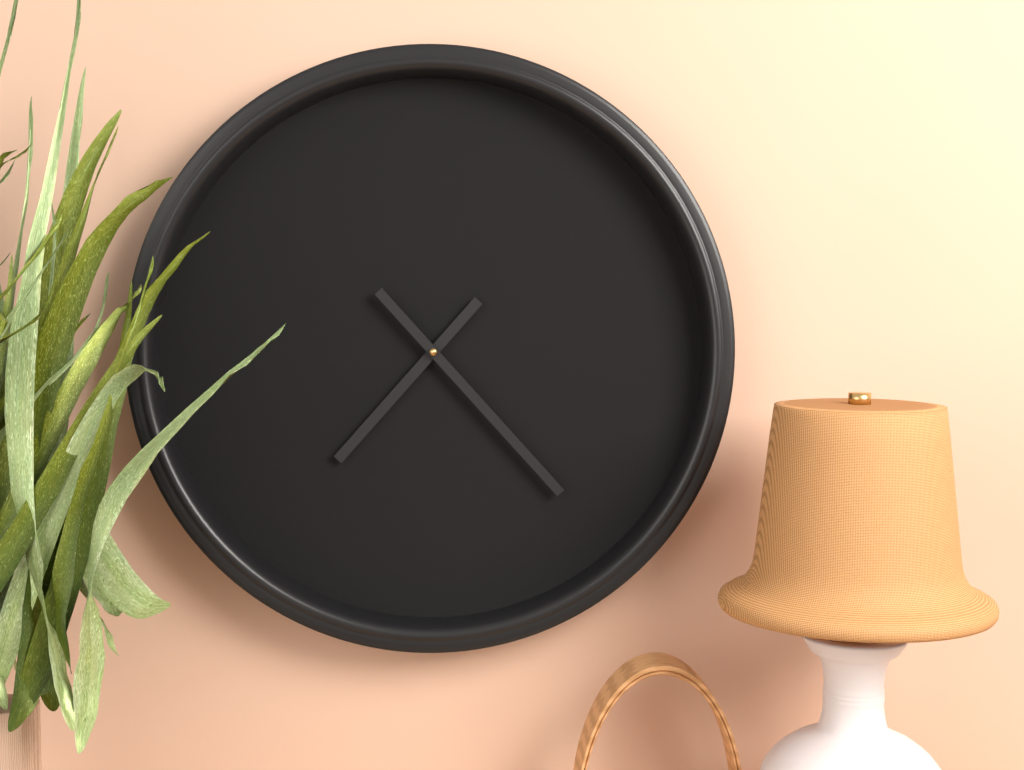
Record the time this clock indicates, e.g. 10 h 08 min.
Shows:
7 h 23 min
